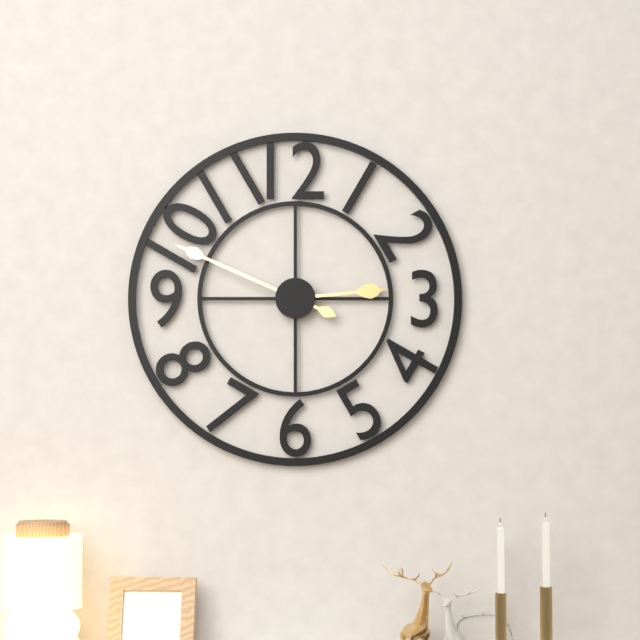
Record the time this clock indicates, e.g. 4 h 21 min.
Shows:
2 h 49 min
